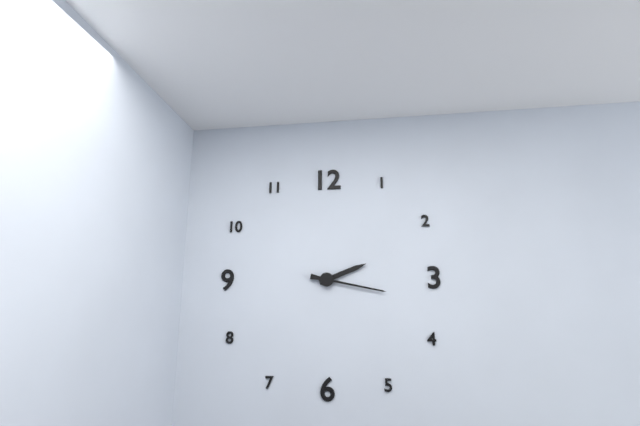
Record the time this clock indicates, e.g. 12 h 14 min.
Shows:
2 h 17 min
